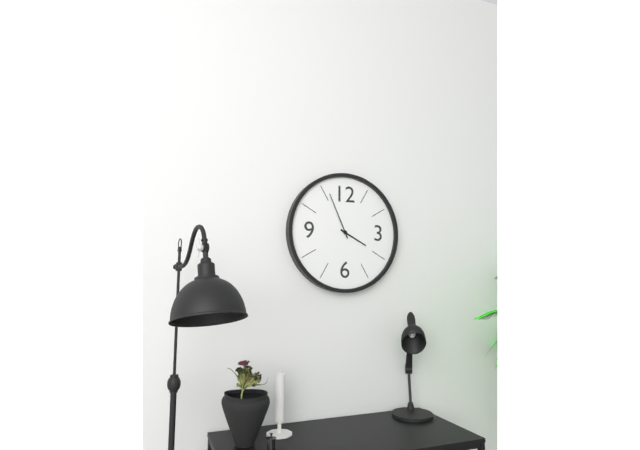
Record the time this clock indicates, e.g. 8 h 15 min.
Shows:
3 h 56 min
